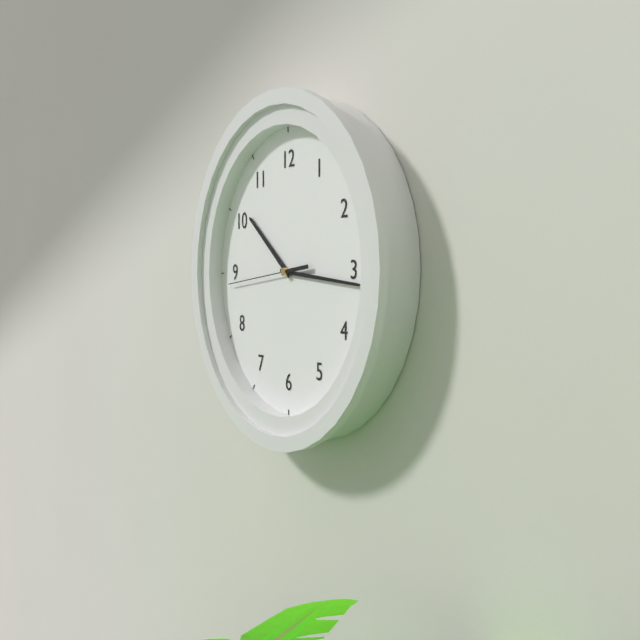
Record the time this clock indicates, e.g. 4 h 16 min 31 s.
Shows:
10 h 16 min 44 s
